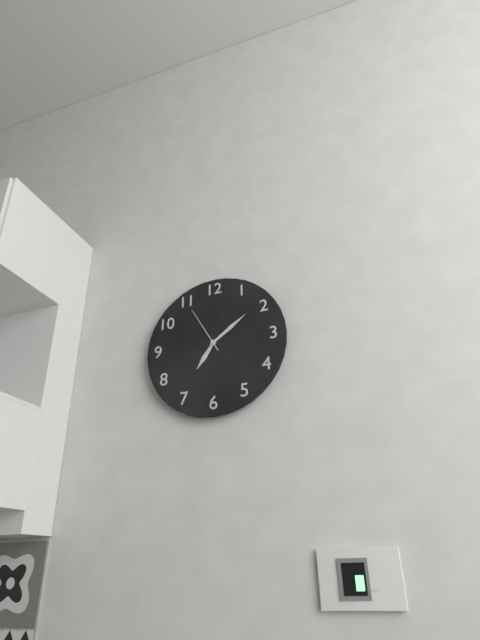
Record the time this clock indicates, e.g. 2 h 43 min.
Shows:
7 h 09 min
